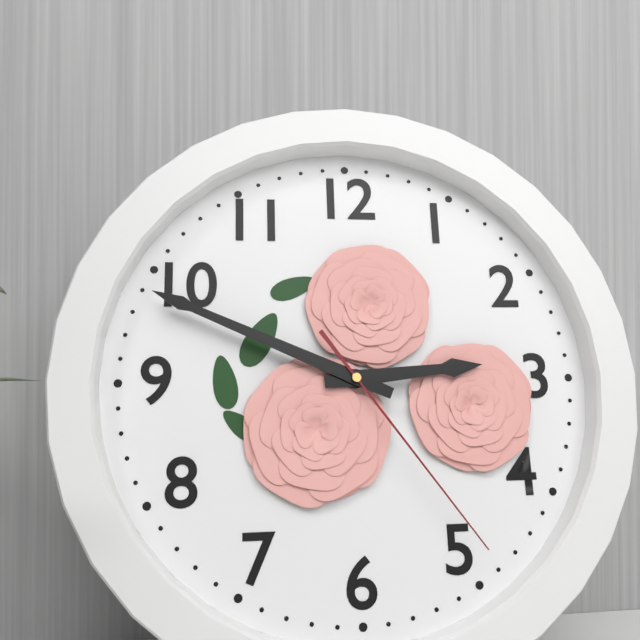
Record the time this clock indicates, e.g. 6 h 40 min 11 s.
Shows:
2 h 49 min 24 s
